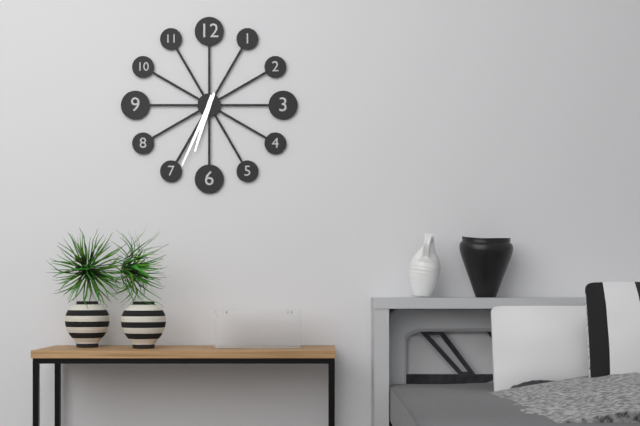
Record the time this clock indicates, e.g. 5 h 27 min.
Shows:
6 h 34 min
